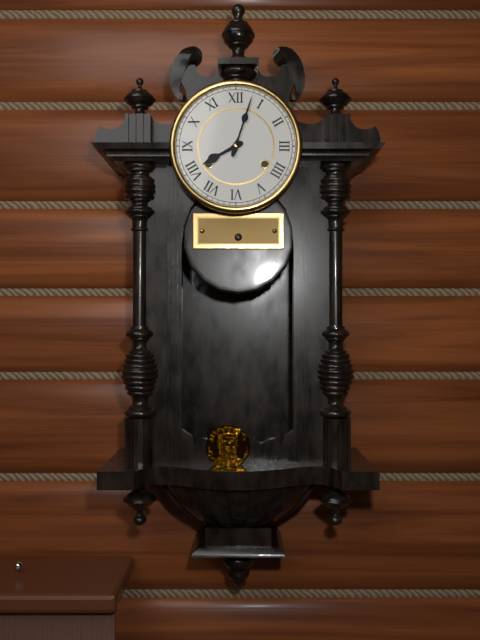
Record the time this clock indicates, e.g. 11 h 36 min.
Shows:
8 h 03 min
